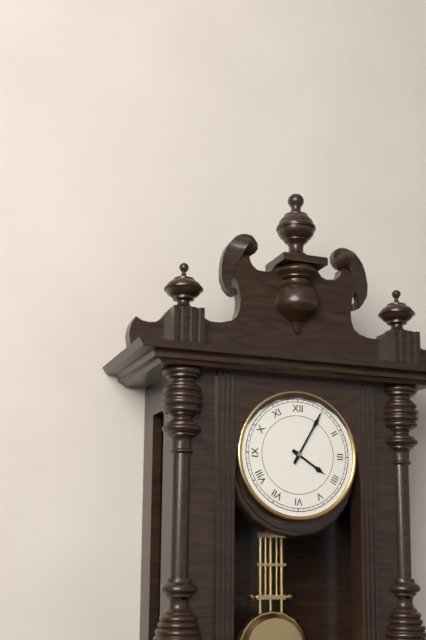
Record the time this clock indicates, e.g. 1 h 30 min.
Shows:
4 h 05 min
